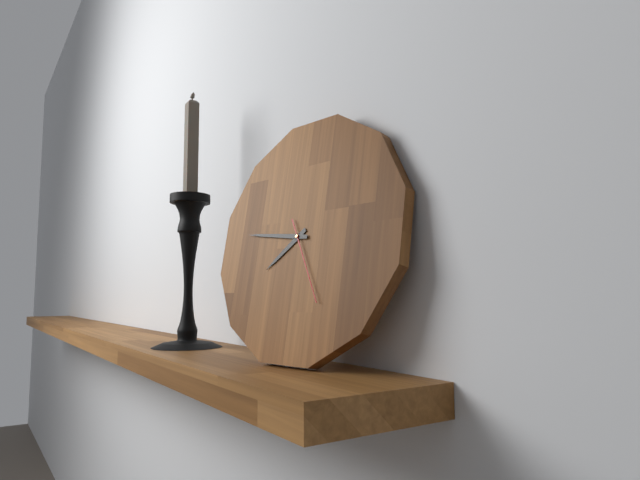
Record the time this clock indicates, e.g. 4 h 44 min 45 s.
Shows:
7 h 46 min 25 s
